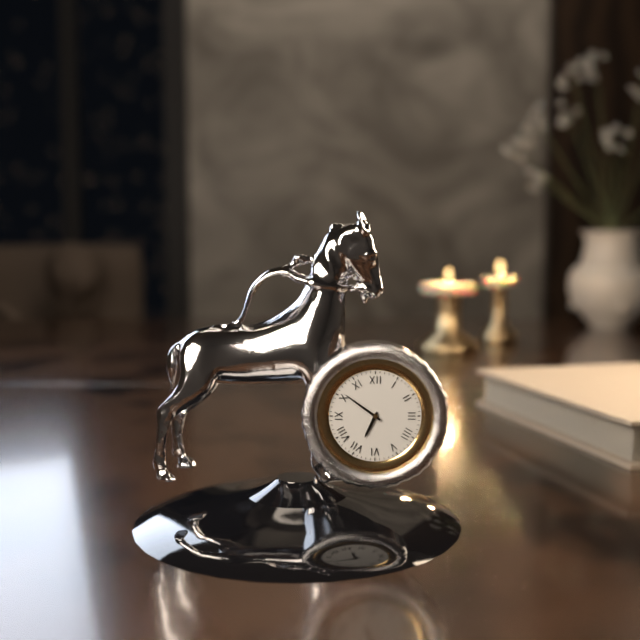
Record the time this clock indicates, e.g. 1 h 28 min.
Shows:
6 h 51 min
